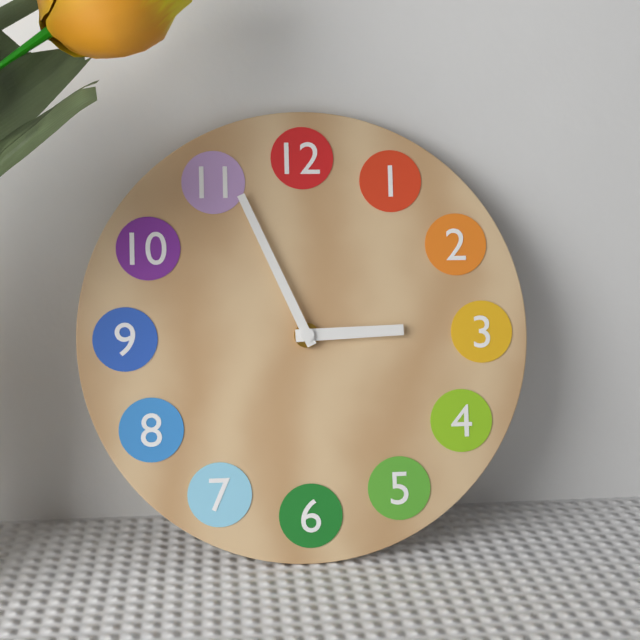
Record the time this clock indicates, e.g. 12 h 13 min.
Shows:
2 h 56 min
